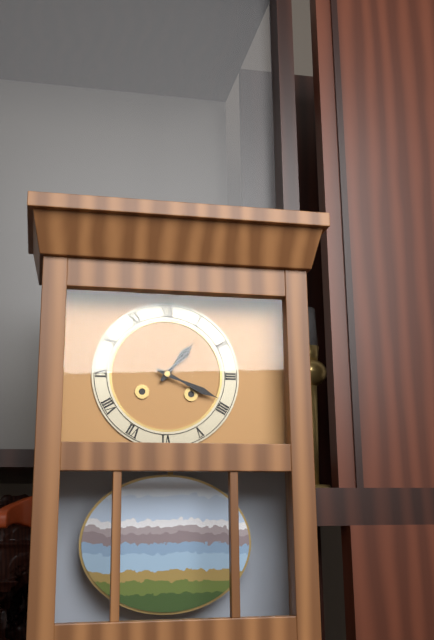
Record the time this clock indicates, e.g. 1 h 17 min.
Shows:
1 h 19 min
